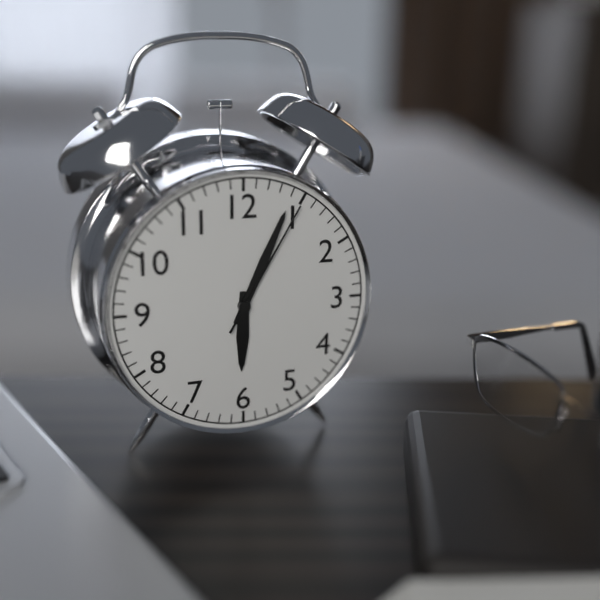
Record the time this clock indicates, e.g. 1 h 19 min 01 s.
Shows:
6 h 04 min 05 s
